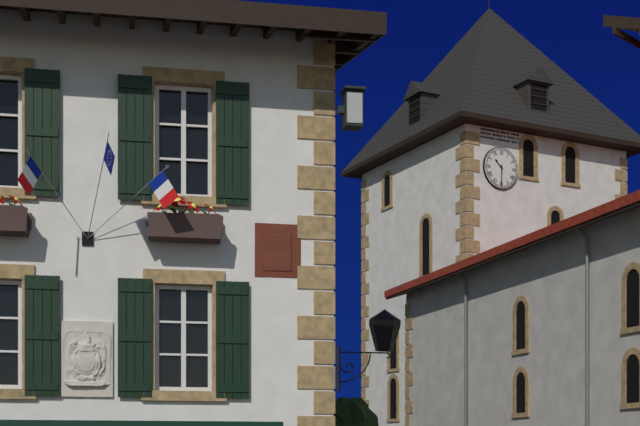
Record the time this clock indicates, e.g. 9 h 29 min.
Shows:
10 h 30 min
